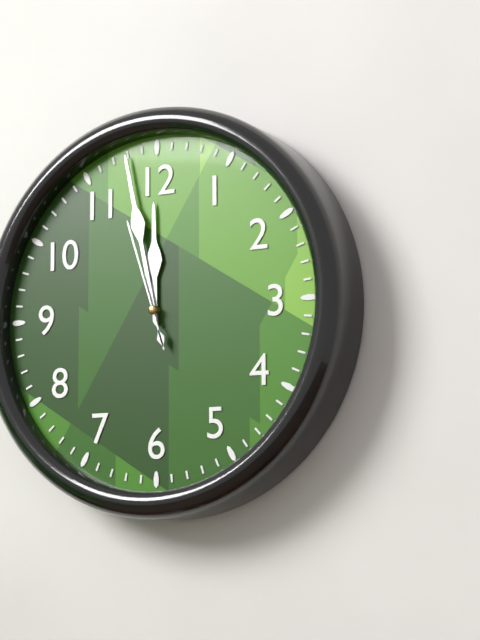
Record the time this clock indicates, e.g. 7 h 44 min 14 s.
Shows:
11 h 58 min 57 s
